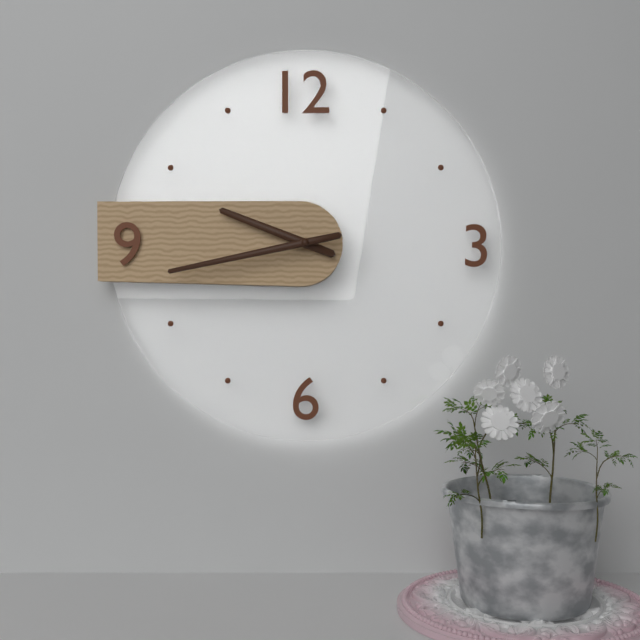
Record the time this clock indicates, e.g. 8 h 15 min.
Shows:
9 h 43 min
